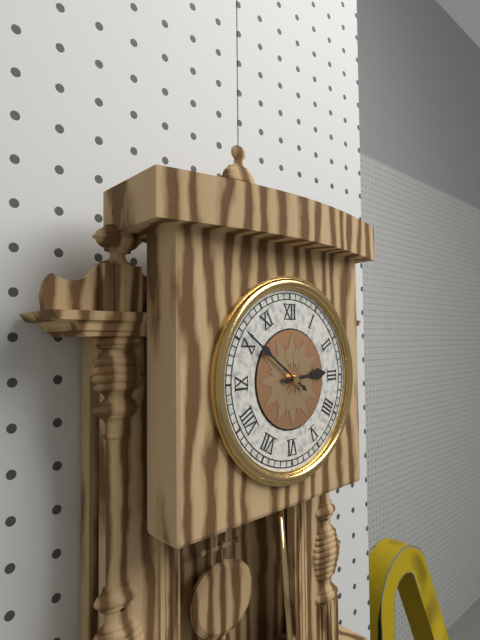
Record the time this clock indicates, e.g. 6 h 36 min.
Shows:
2 h 51 min
